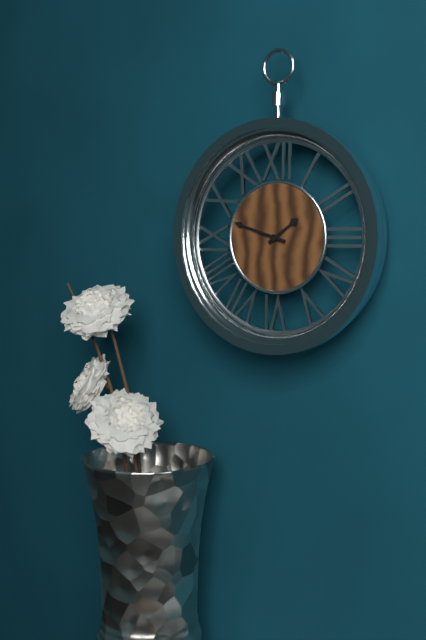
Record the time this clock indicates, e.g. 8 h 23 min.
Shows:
1 h 48 min
